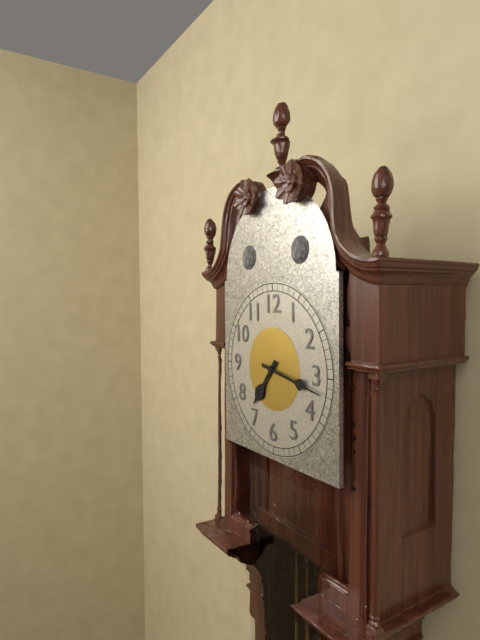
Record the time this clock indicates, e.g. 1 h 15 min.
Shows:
7 h 17 min
